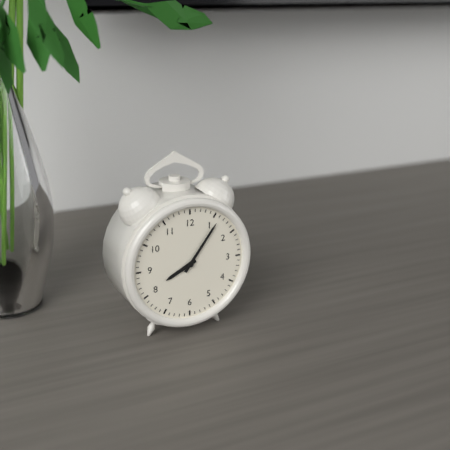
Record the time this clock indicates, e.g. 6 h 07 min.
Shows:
8 h 06 min
